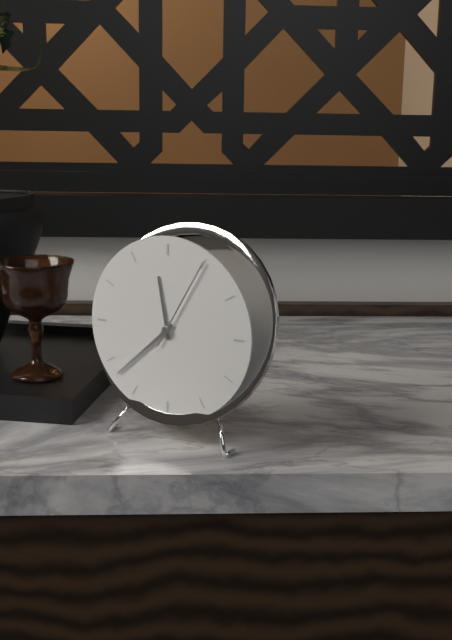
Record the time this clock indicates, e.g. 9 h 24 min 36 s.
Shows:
11 h 38 min 05 s
